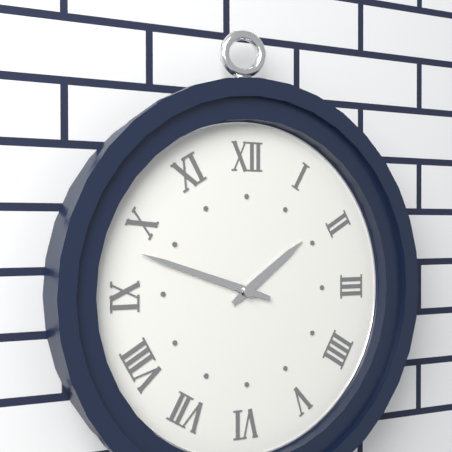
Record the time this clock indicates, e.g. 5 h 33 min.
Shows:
1 h 48 min
